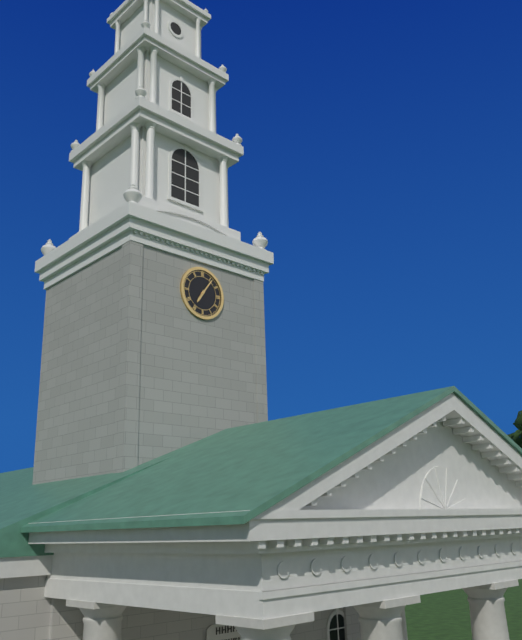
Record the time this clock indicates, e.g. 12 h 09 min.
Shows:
7 h 06 min
